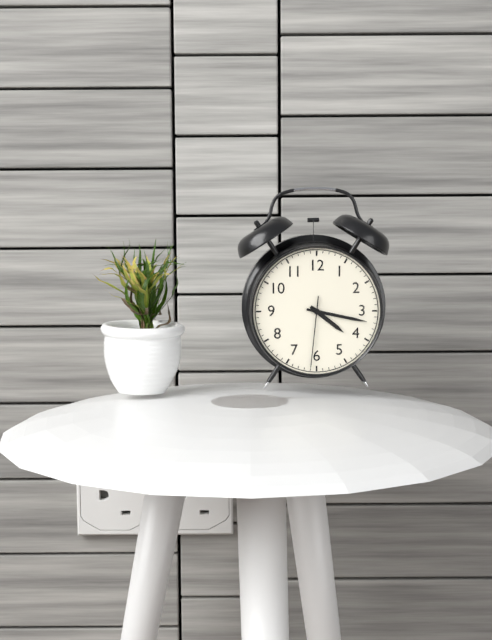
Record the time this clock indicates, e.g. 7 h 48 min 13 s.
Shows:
4 h 17 min 31 s
